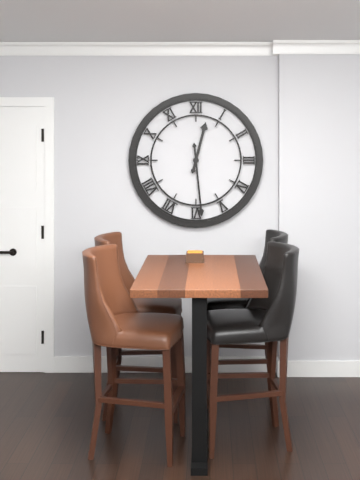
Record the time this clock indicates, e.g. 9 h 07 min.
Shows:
12 h 29 min
